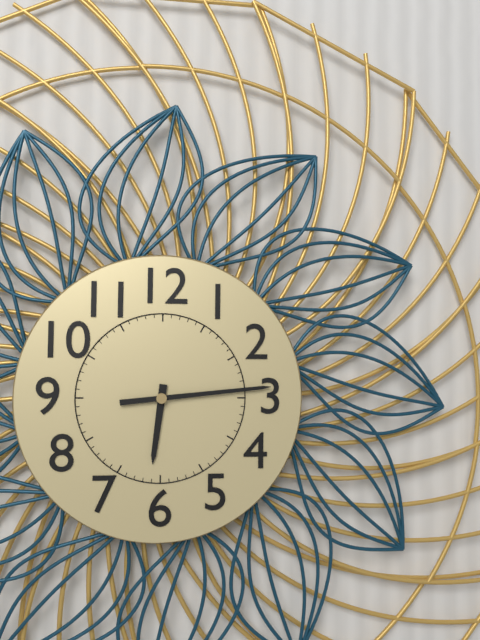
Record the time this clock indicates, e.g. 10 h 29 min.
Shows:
6 h 14 min
